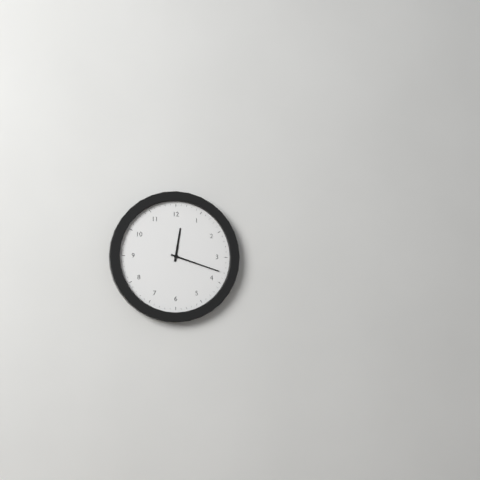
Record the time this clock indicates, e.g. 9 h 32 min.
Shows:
12 h 18 min
